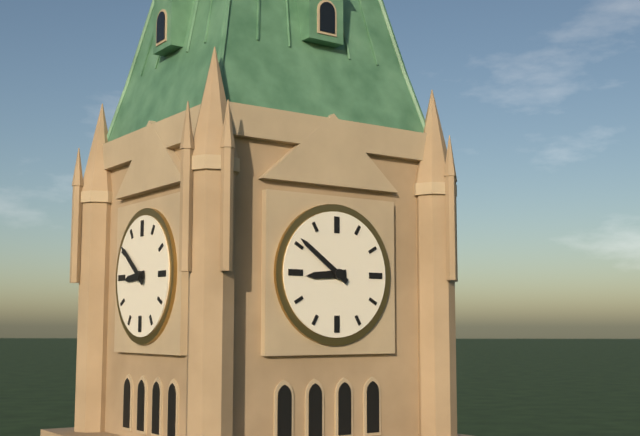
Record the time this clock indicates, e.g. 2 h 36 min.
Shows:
8 h 51 min
